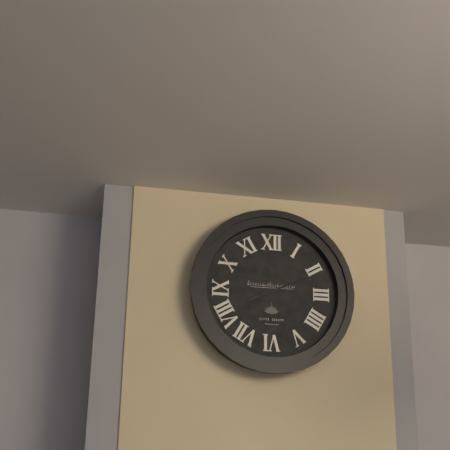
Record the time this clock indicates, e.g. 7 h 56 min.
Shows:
8 h 11 min
